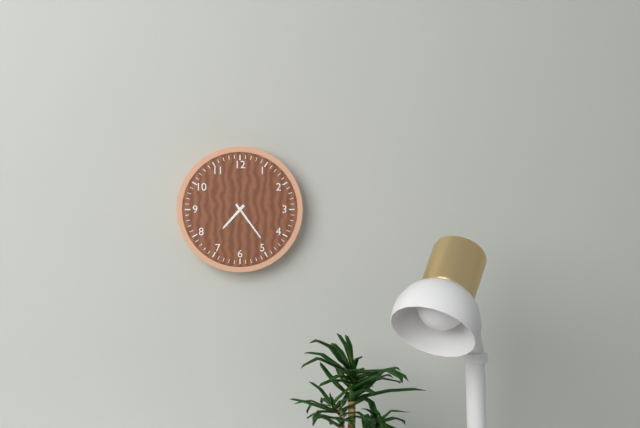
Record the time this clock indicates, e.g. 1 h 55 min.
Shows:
7 h 24 min
